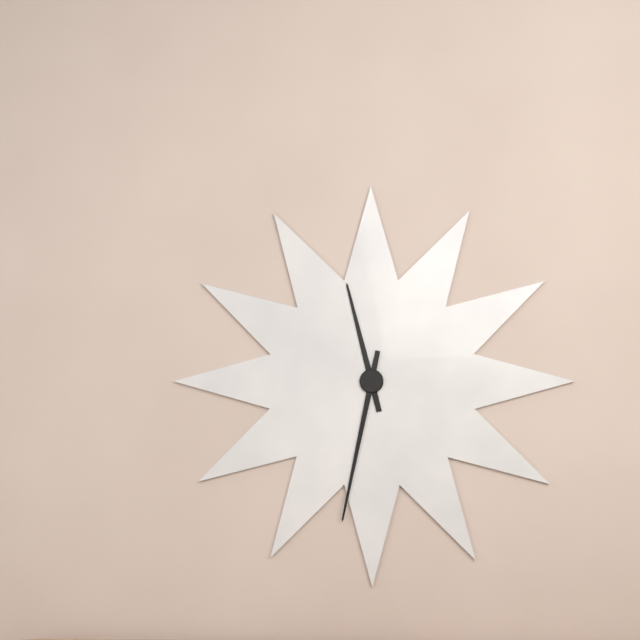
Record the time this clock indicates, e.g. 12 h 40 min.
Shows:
11 h 32 min
